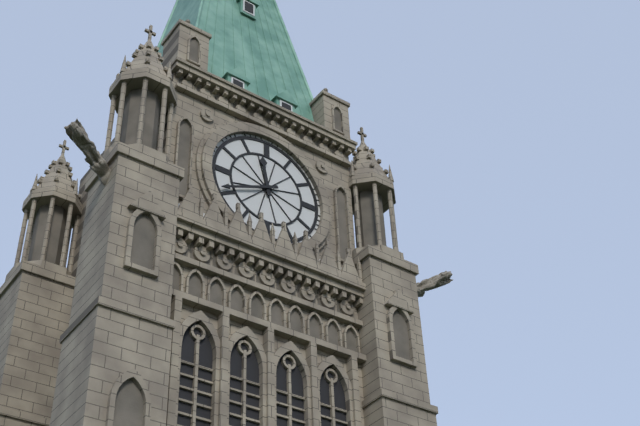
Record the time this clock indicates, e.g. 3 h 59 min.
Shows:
11 h 41 min
